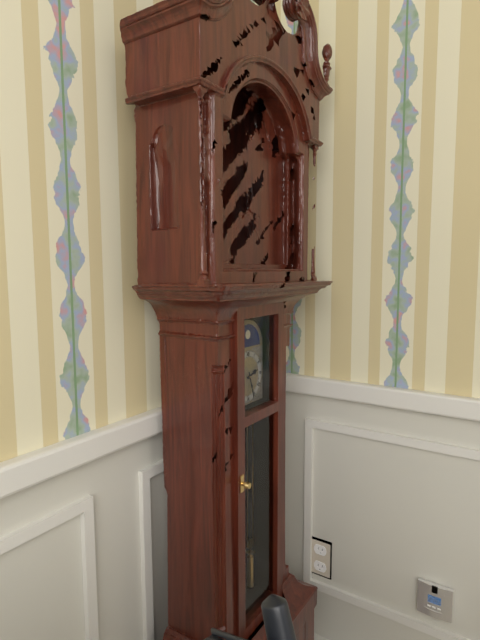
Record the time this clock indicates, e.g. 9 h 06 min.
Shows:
2 h 27 min
